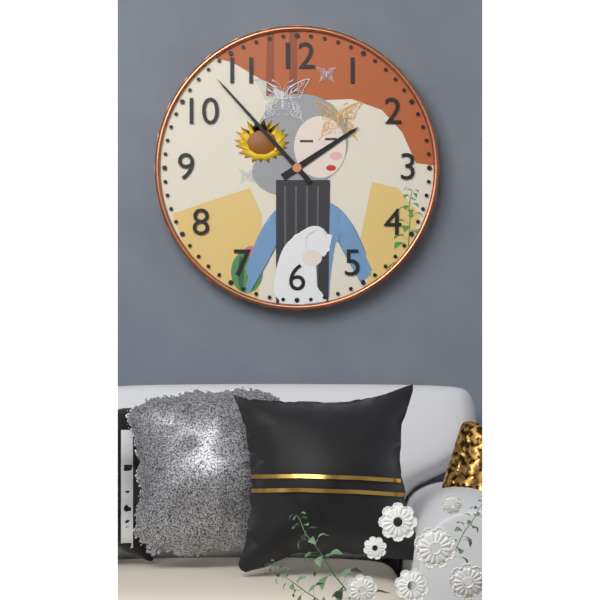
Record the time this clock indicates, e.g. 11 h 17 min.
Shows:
1 h 53 min
